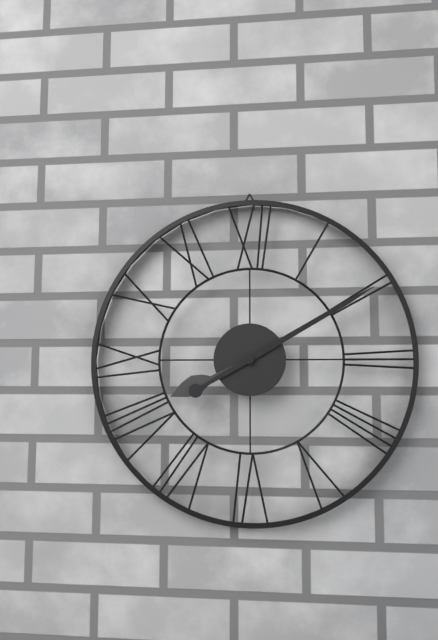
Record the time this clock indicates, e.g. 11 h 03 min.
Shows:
8 h 10 min
